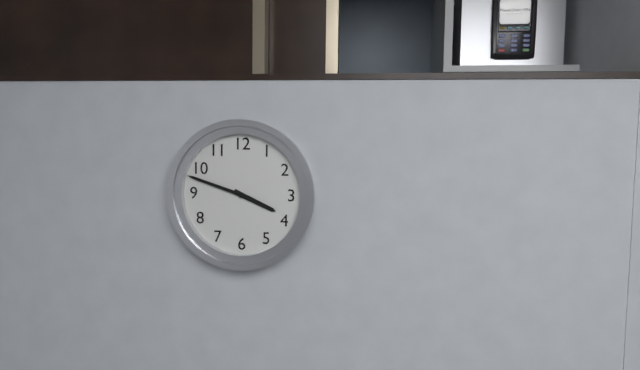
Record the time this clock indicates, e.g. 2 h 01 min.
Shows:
3 h 48 min
